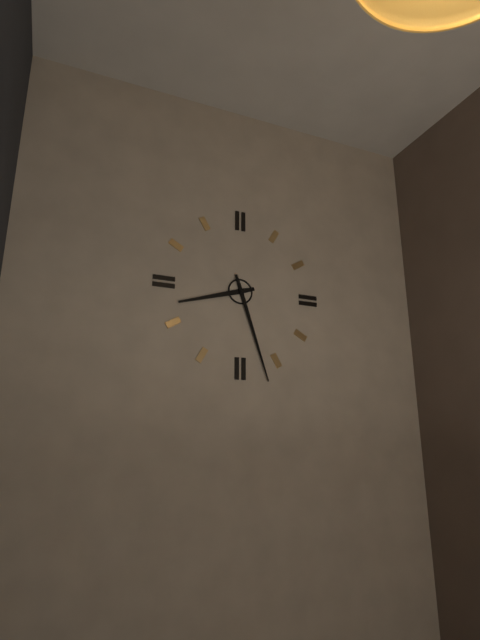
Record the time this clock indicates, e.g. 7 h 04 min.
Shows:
8 h 27 min
